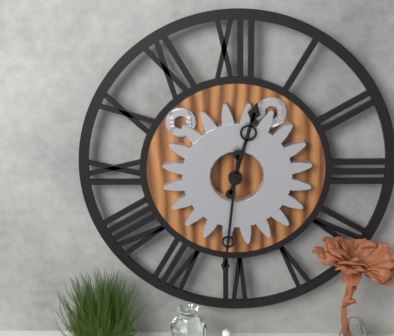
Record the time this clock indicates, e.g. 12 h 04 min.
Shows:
12 h 31 min
